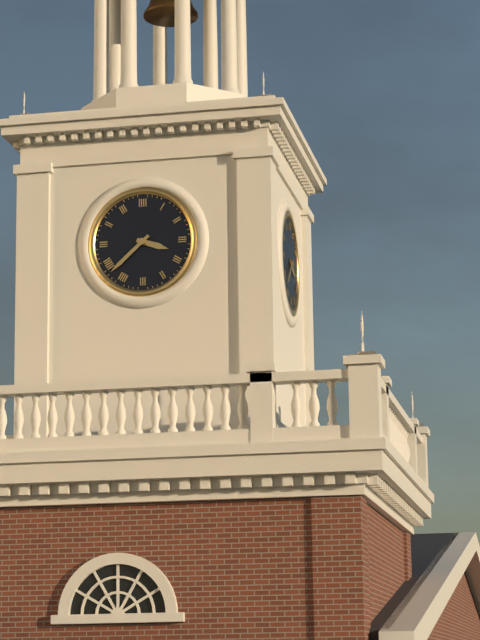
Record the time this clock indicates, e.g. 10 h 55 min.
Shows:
3 h 38 min
